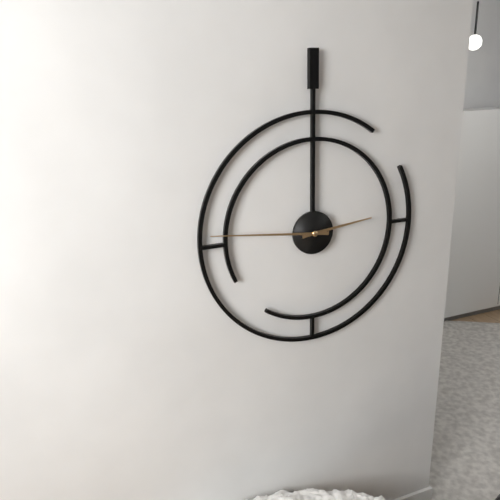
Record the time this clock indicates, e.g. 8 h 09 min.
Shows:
2 h 46 min
